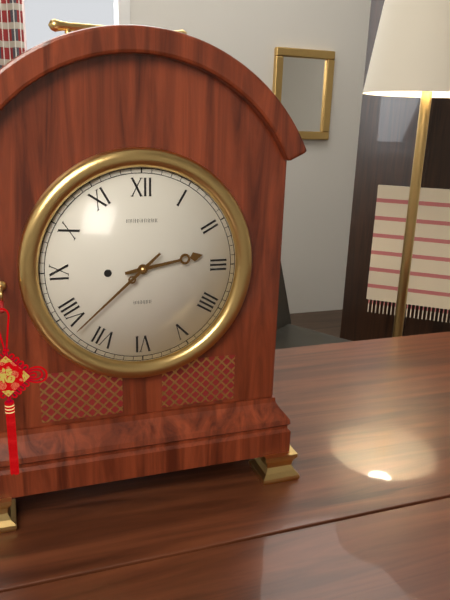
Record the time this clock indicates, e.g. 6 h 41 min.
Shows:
2 h 38 min
